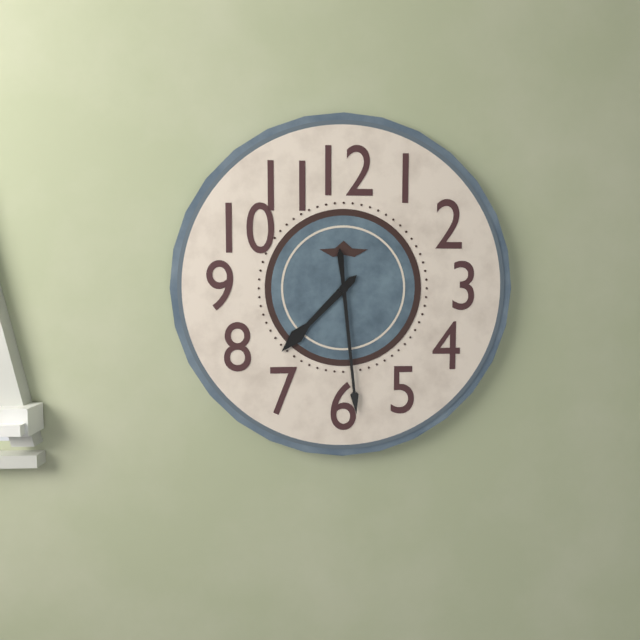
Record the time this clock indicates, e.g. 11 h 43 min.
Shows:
7 h 29 min
